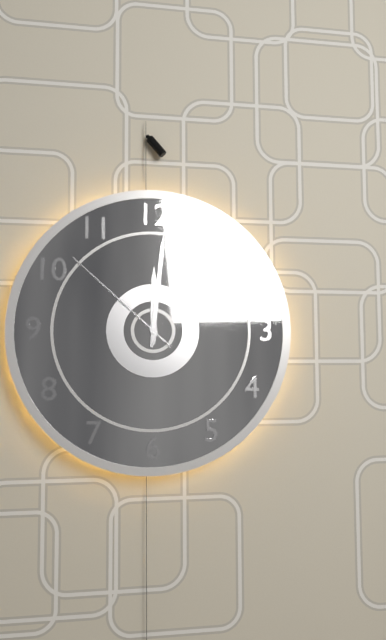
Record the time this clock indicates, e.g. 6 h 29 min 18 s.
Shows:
12 h 01 min 52 s
